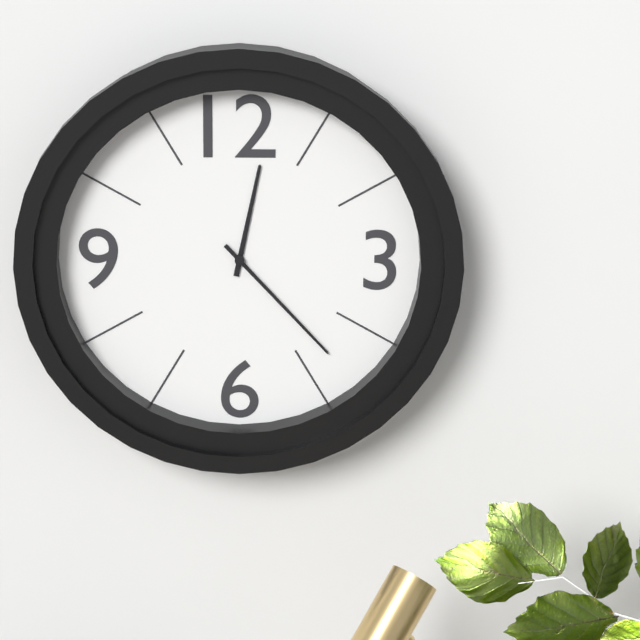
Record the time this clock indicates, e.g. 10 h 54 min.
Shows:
12 h 23 min
